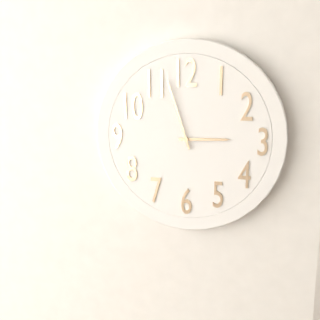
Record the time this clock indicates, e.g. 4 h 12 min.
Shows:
2 h 57 min
